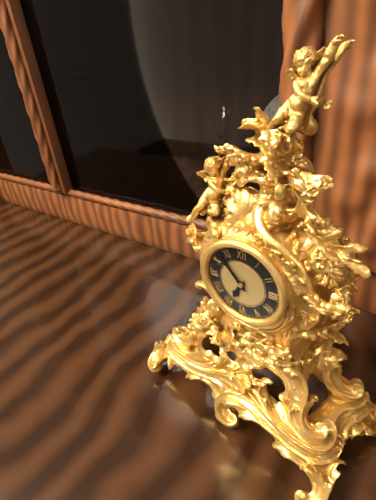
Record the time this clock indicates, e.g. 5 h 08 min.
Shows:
6 h 53 min
